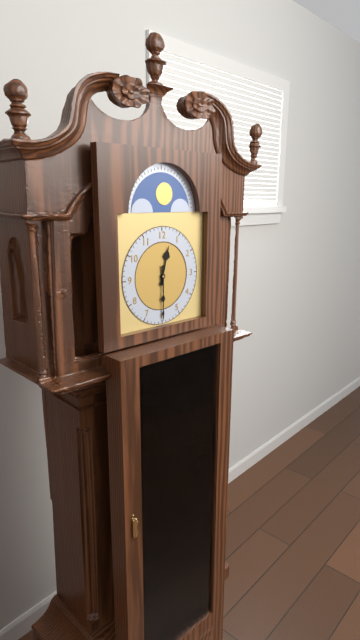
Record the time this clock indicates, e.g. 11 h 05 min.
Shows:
12 h 30 min
